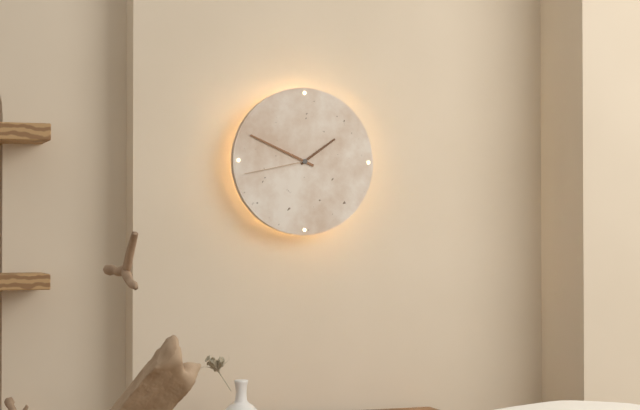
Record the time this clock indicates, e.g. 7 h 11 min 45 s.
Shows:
1 h 49 min 43 s
